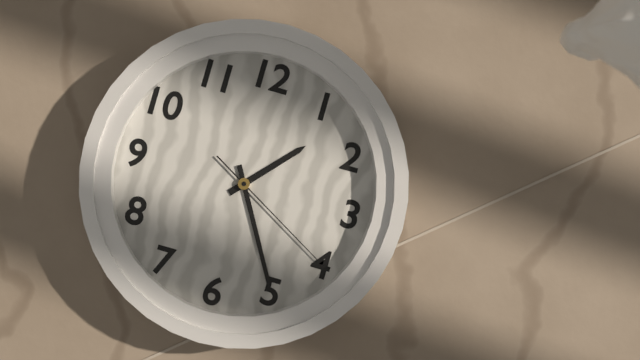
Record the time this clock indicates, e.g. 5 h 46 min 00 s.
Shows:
1 h 25 min 20 s
